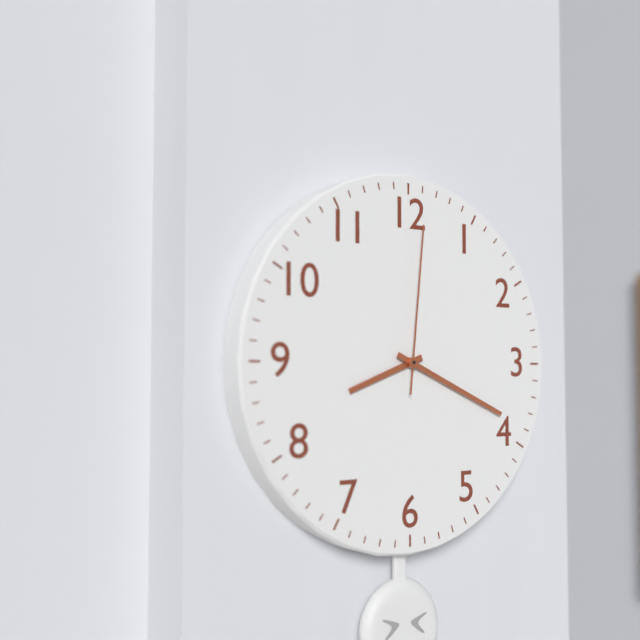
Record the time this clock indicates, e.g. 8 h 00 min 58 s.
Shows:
8 h 19 min 01 s
